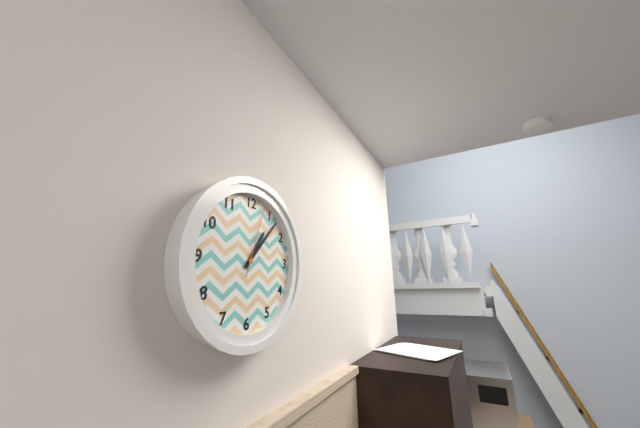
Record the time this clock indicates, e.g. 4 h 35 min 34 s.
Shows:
1 h 07 min 03 s
